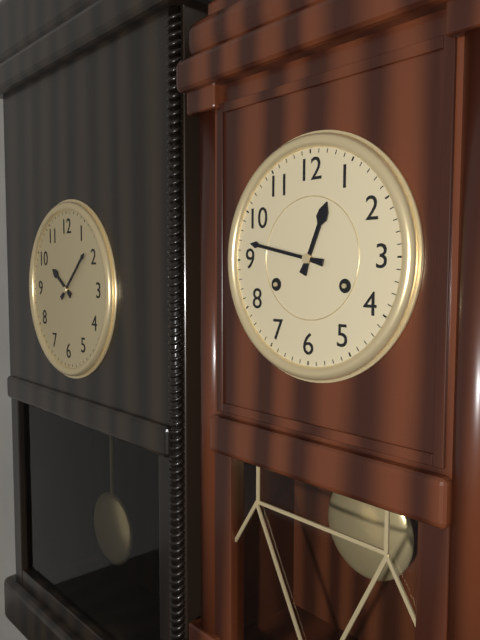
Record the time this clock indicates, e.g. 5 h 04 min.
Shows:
12 h 47 min
